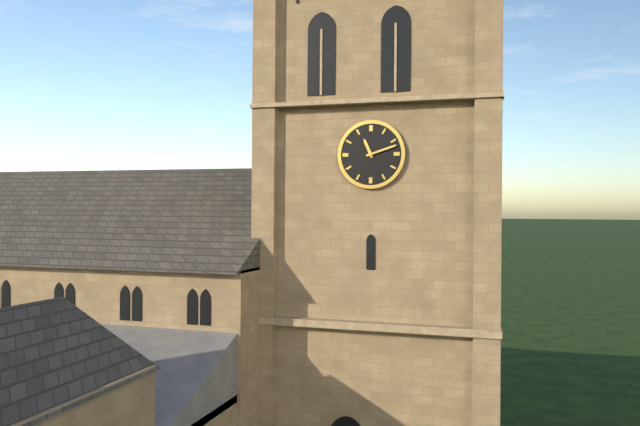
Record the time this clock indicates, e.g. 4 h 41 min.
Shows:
11 h 12 min
